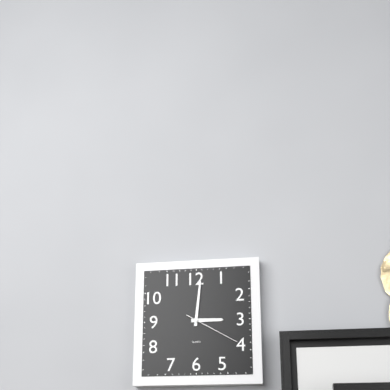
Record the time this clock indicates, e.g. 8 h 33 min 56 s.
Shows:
3 h 01 min 20 s
